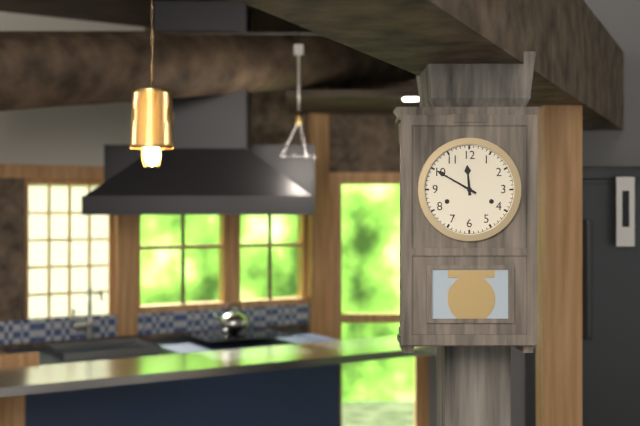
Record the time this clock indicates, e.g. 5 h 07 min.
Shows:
11 h 50 min
